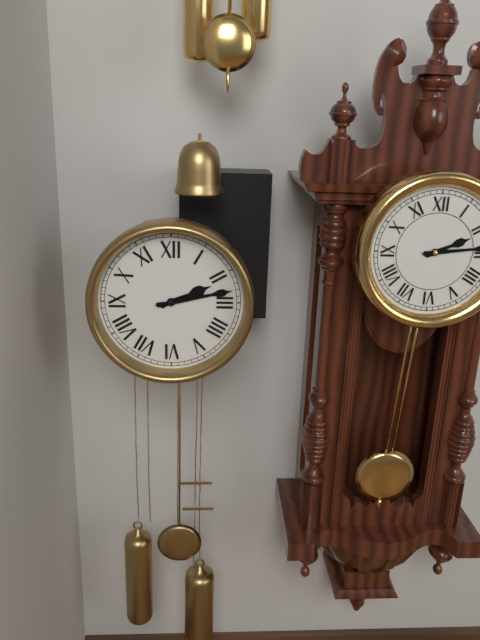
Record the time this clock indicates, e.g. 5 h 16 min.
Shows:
2 h 13 min
